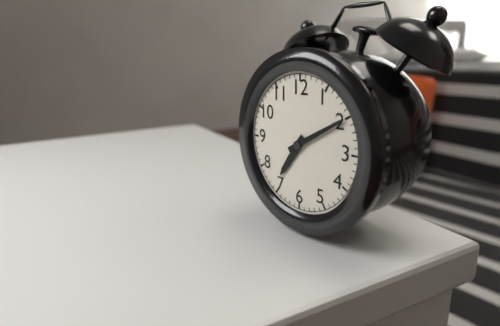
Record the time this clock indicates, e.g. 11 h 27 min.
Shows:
7 h 10 min
